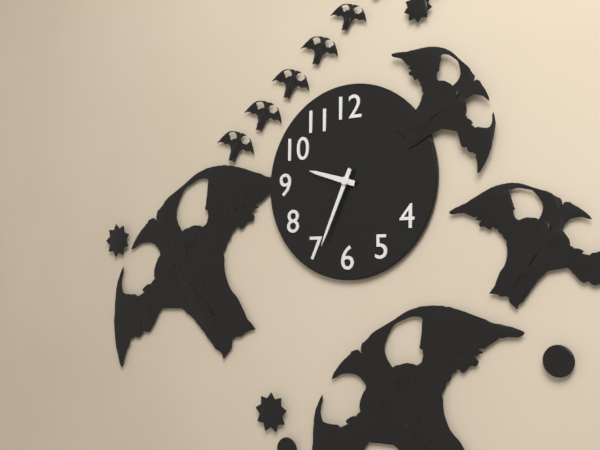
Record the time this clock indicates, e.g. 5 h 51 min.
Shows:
9 h 34 min
